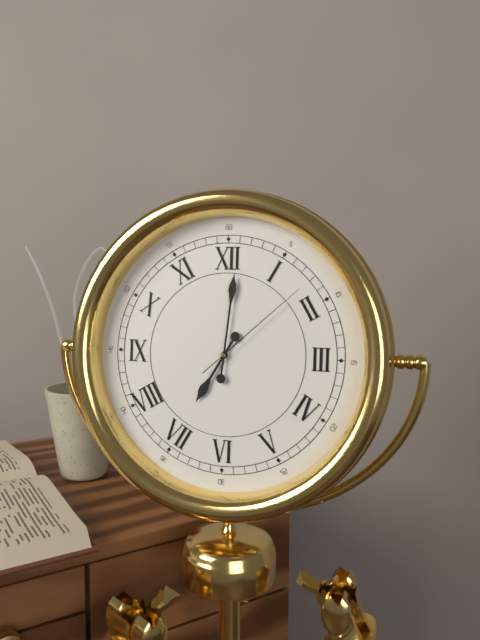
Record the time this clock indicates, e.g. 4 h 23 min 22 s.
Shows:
7 h 01 min 08 s
